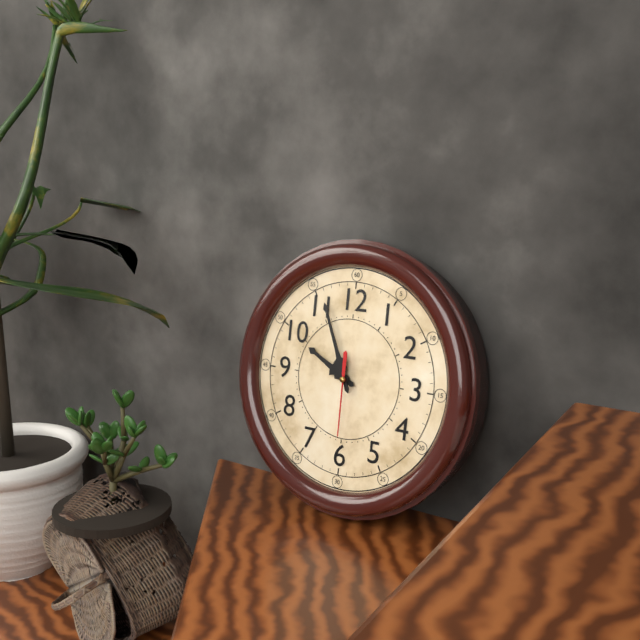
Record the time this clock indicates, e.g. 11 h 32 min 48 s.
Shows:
9 h 56 min 30 s
